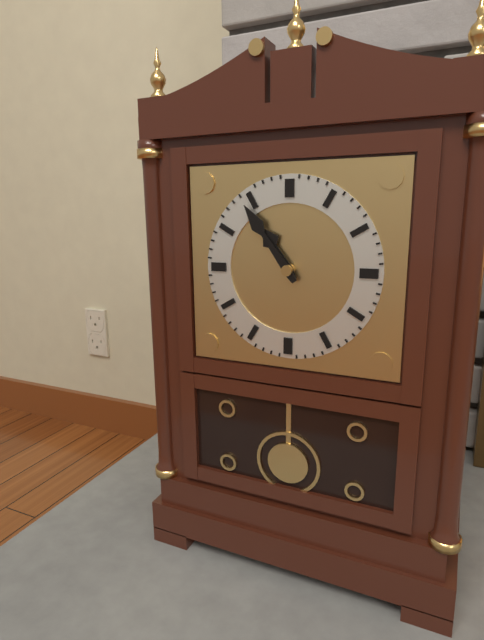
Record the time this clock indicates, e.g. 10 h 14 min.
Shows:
10 h 54 min
